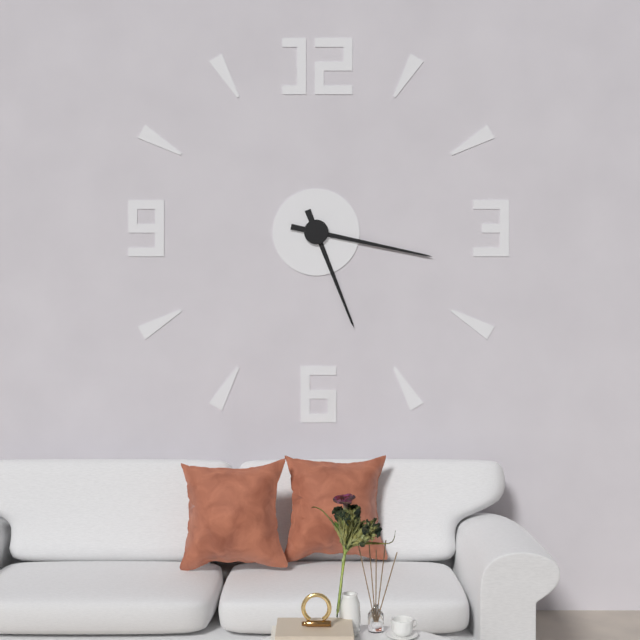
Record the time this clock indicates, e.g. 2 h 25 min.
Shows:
5 h 17 min
